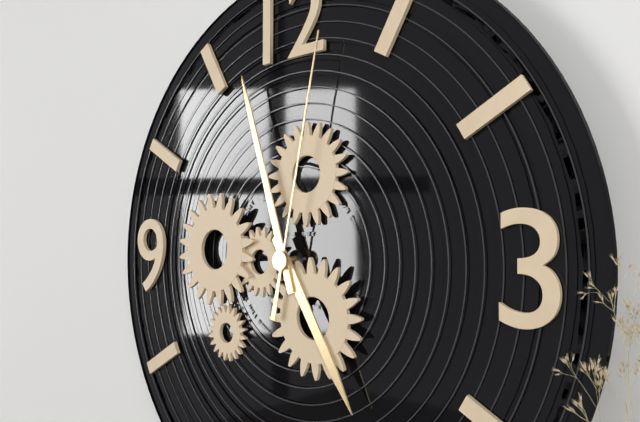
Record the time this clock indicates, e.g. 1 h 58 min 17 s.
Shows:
4 h 57 min 02 s
